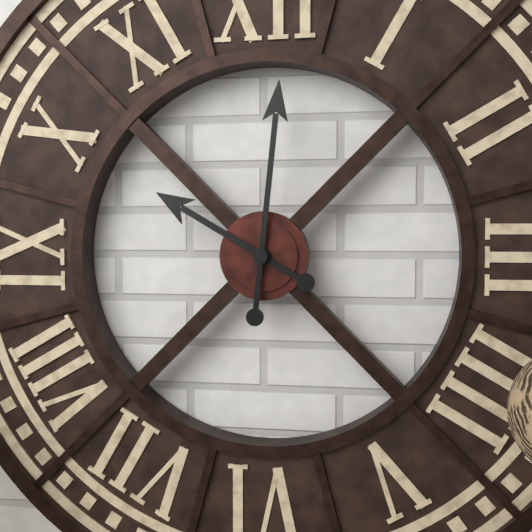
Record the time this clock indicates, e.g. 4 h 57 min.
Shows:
10 h 01 min
